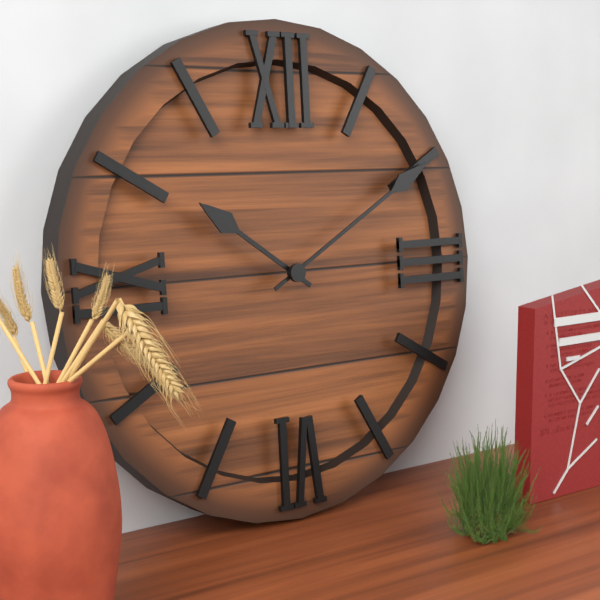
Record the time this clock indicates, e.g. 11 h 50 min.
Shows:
10 h 10 min
